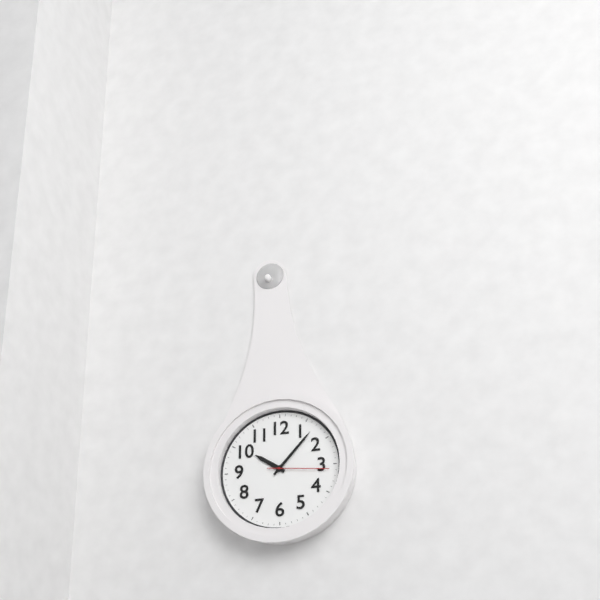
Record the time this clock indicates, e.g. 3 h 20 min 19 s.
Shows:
10 h 07 min 16 s
